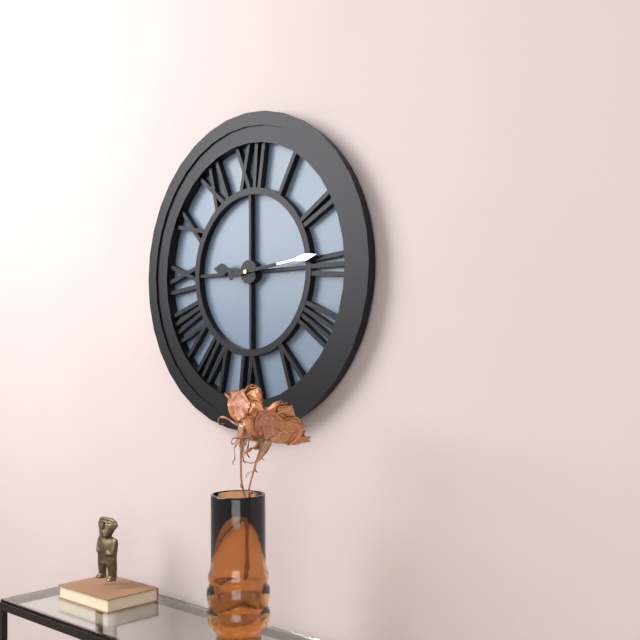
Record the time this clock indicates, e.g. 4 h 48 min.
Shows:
9 h 14 min
